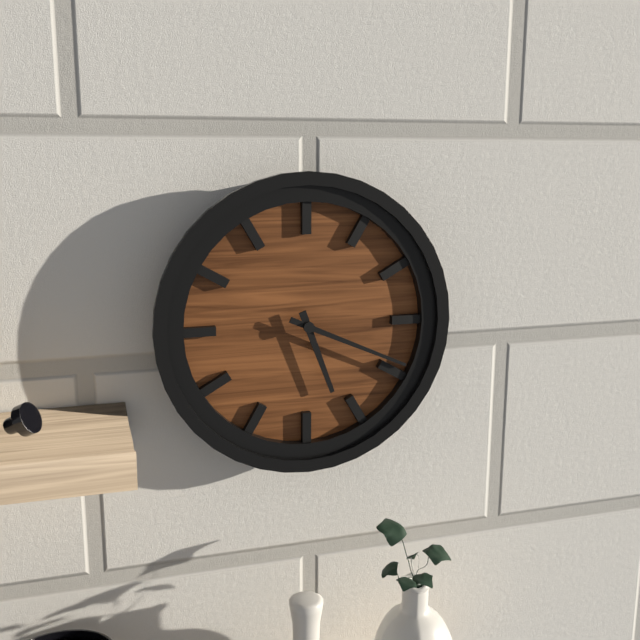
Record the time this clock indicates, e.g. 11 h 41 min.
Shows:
5 h 19 min
